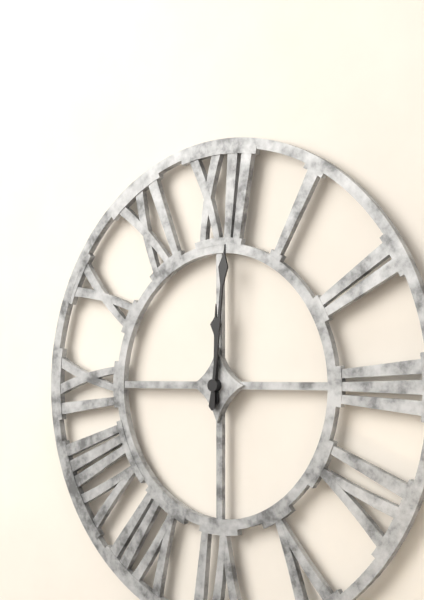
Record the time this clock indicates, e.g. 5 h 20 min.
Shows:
12 h 01 min
